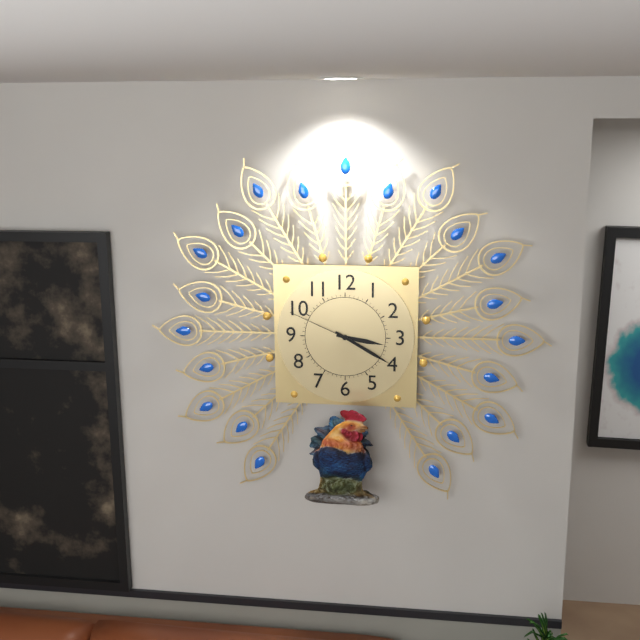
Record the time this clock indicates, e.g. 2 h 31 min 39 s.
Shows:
3 h 20 min 49 s
